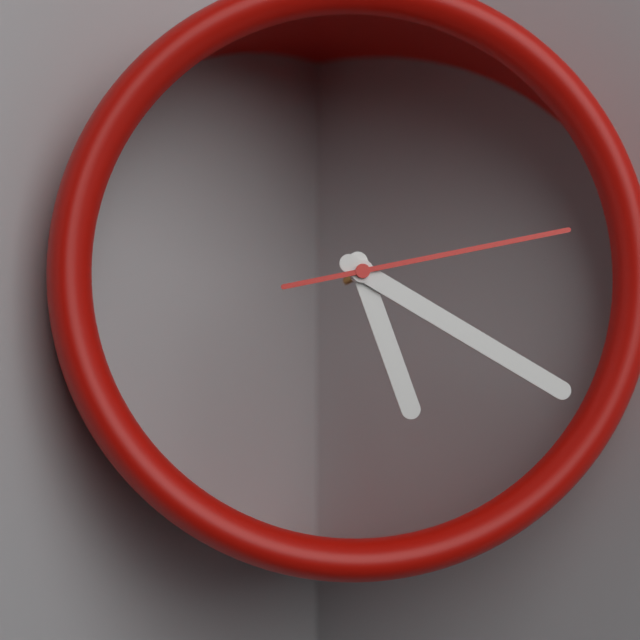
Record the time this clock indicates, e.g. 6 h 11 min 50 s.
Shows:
5 h 20 min 13 s
